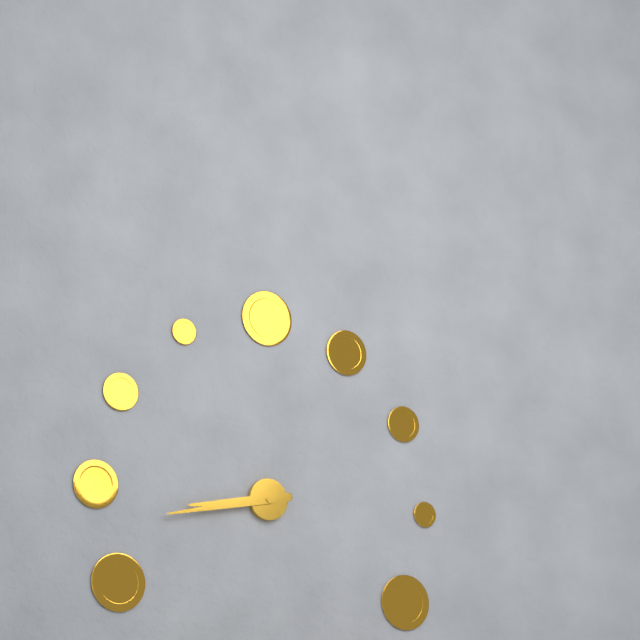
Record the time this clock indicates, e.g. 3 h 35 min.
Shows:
8 h 43 min
